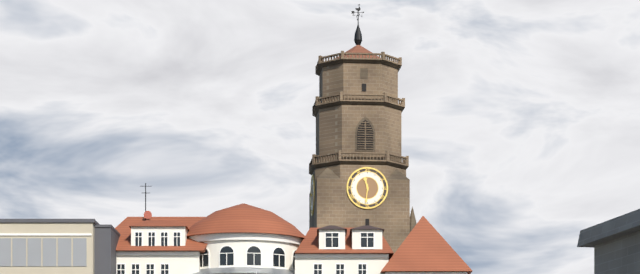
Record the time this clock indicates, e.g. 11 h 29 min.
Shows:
11 h 31 min
